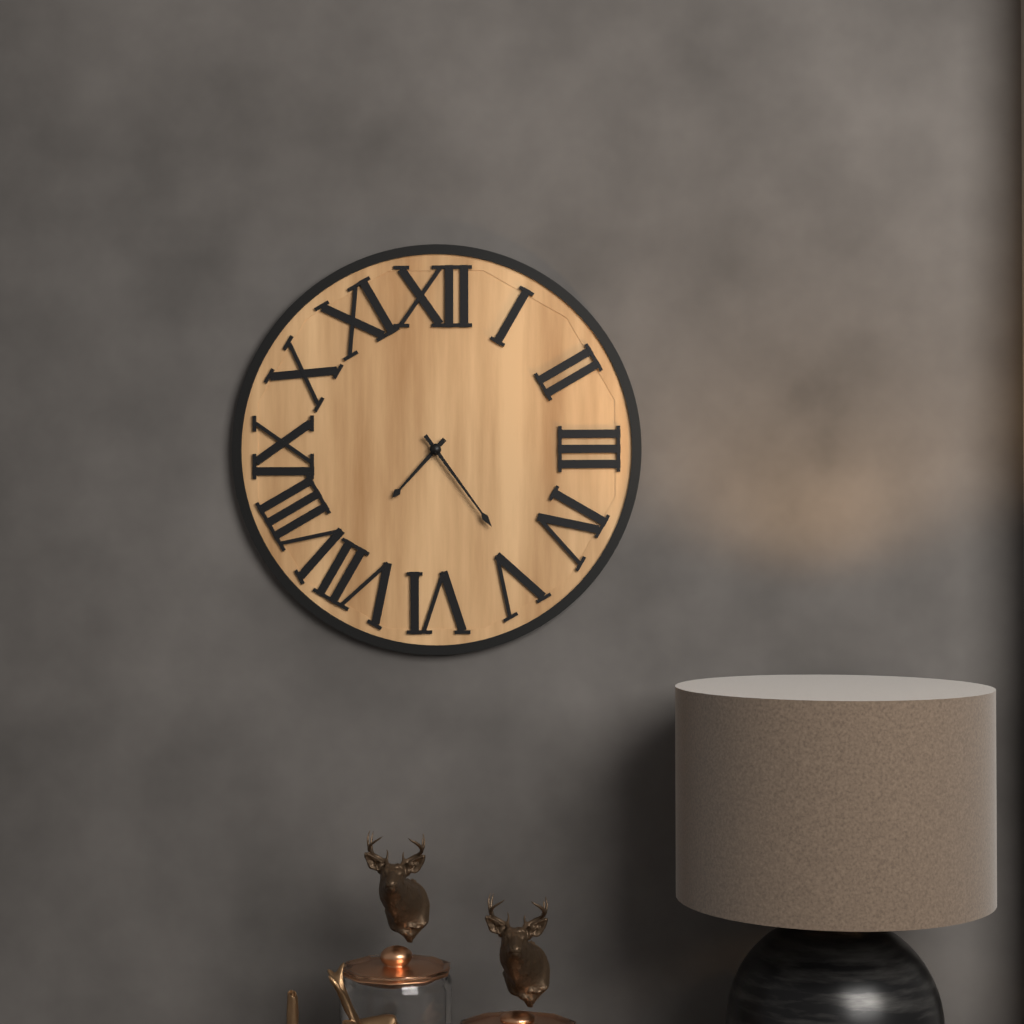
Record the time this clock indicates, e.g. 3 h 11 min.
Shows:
7 h 24 min
